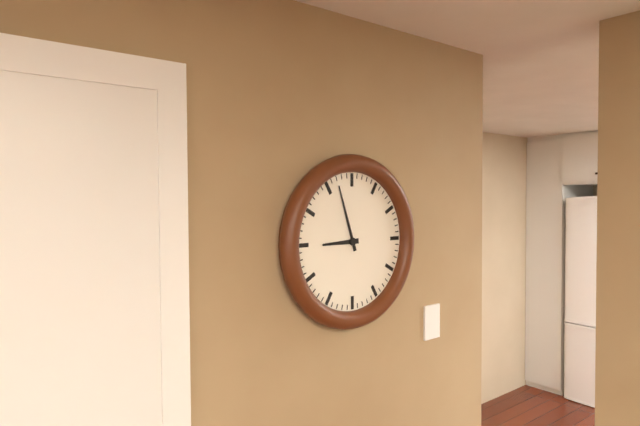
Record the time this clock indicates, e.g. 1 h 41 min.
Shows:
8 h 57 min
